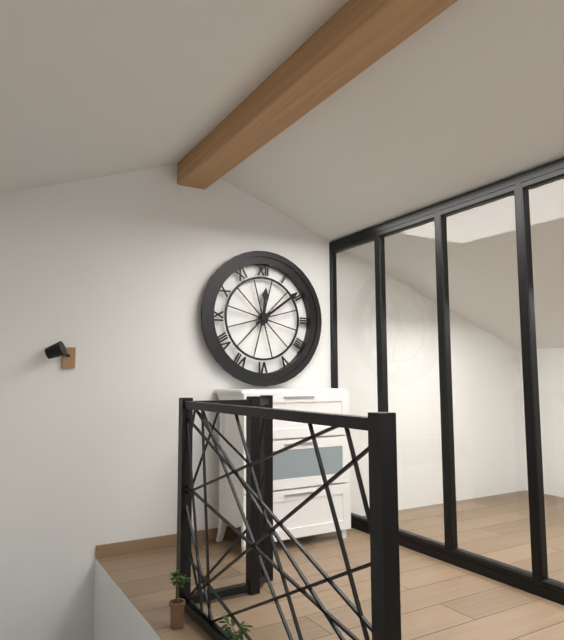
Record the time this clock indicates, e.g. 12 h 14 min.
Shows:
12 h 09 min
